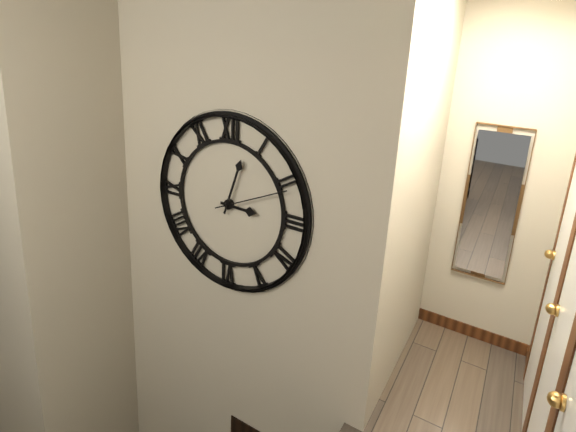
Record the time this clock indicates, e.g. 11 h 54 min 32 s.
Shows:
3 h 03 min 11 s
